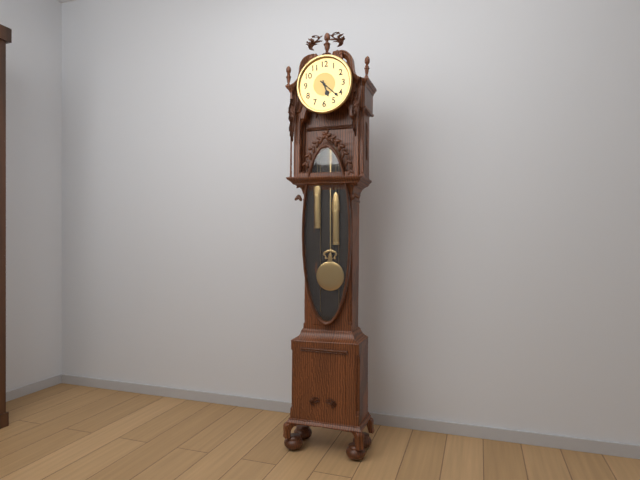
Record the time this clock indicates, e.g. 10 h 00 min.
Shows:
5 h 22 min
